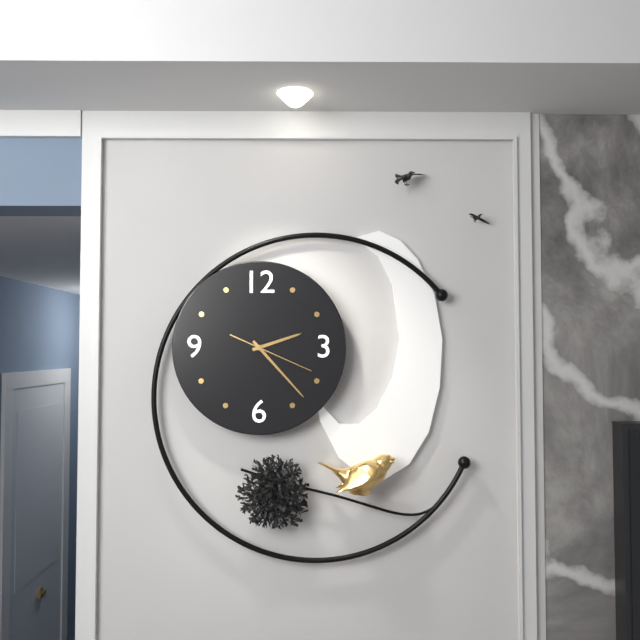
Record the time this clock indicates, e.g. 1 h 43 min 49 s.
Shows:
2 h 23 min 19 s
